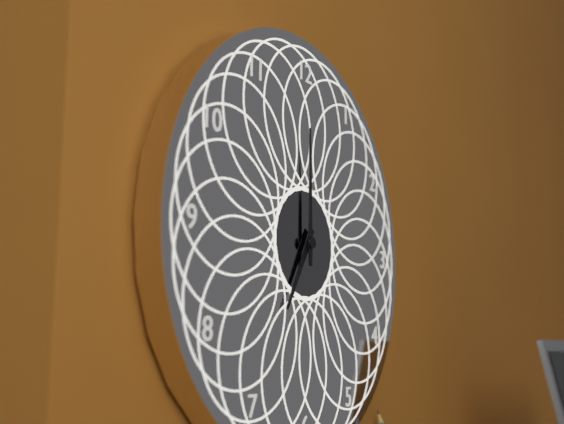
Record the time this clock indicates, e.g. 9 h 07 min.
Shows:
7 h 00 min
